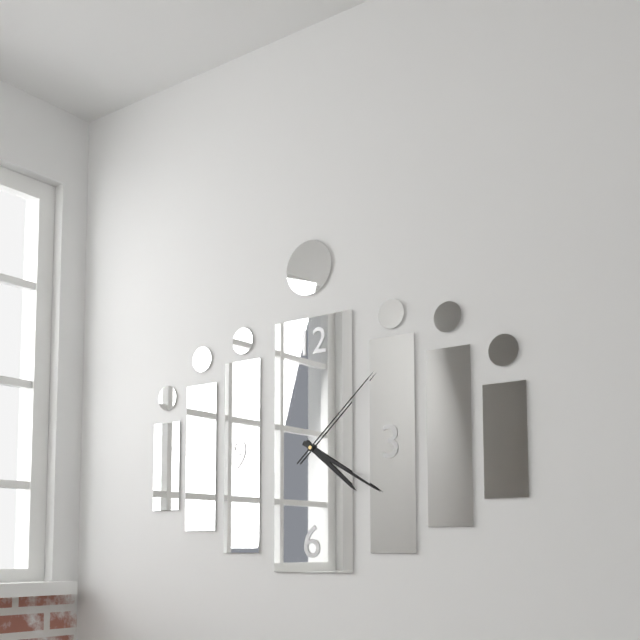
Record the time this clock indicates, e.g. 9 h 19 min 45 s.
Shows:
4 h 20 min 08 s
